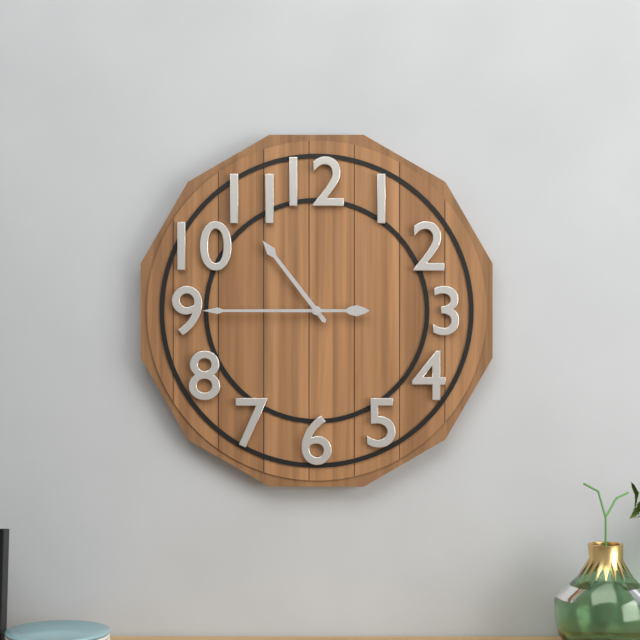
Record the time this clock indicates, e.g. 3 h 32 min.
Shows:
10 h 45 min
